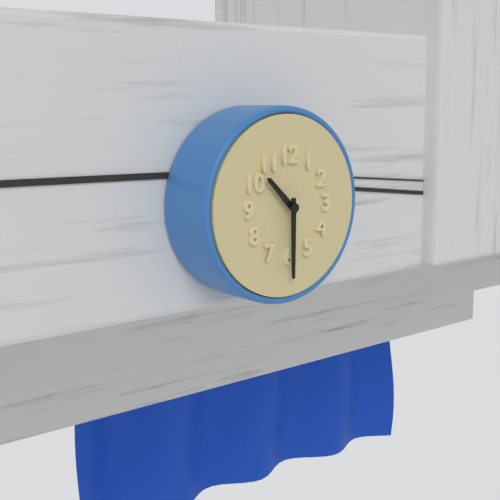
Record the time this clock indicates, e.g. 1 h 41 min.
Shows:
10 h 30 min
